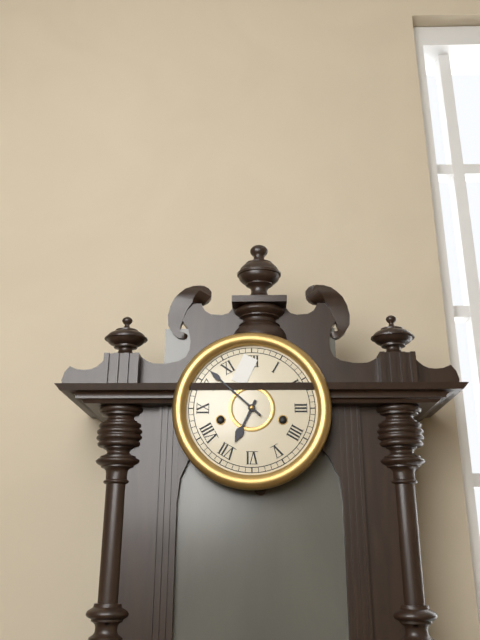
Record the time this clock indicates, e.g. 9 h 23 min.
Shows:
6 h 52 min
